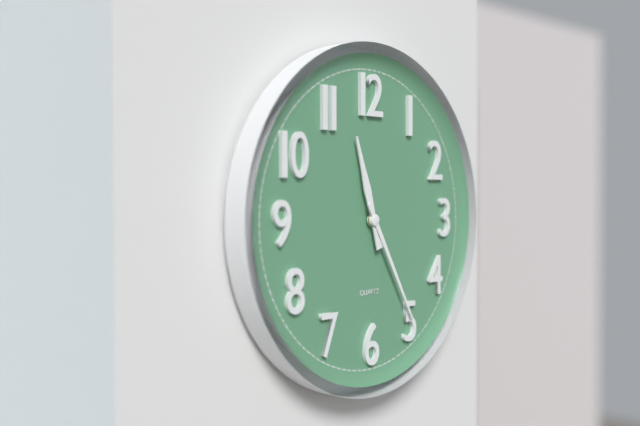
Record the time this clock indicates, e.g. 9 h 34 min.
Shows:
11 h 25 min
